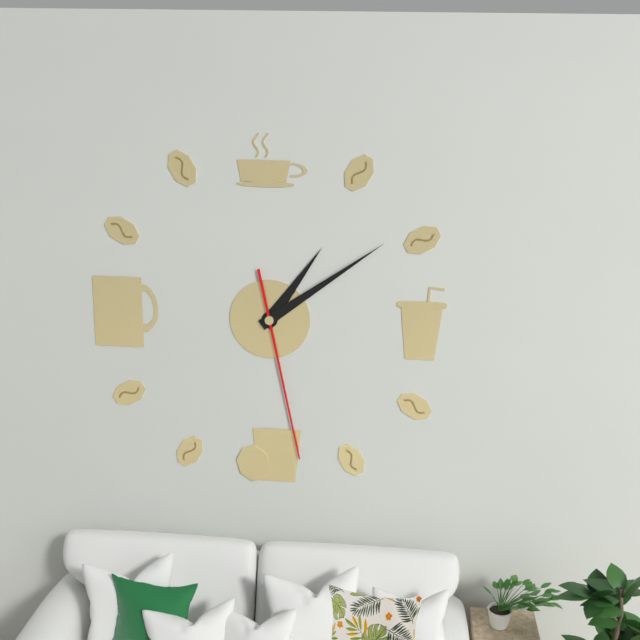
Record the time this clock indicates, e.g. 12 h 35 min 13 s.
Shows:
1 h 09 min 28 s
